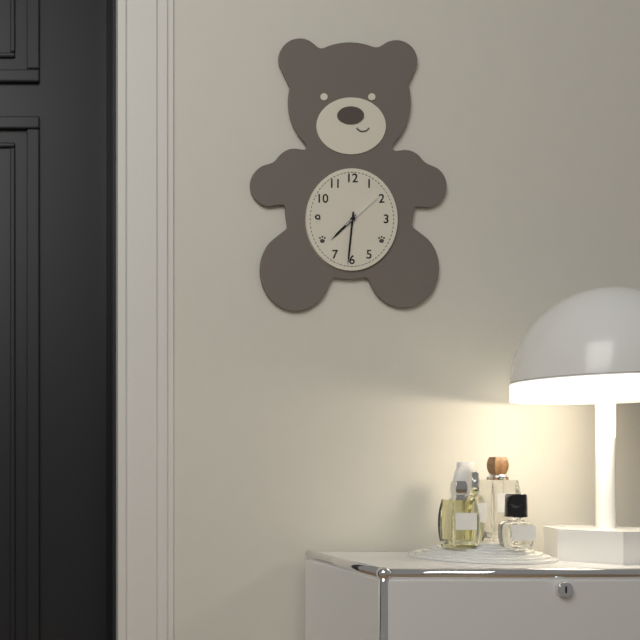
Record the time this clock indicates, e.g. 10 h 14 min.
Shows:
7 h 31 min
